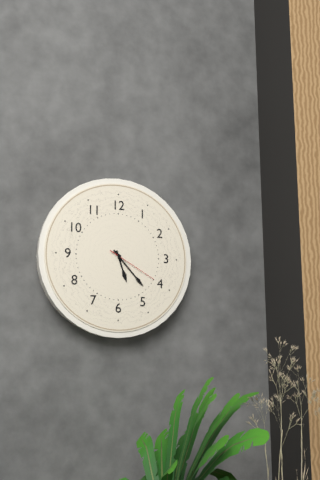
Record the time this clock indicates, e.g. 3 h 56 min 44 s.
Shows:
5 h 23 min 20 s
